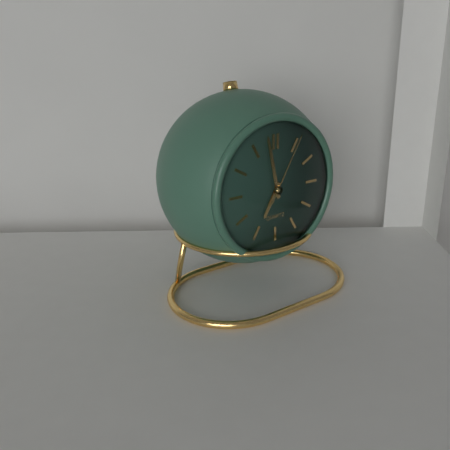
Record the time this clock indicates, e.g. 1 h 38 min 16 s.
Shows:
6 h 58 min 05 s
